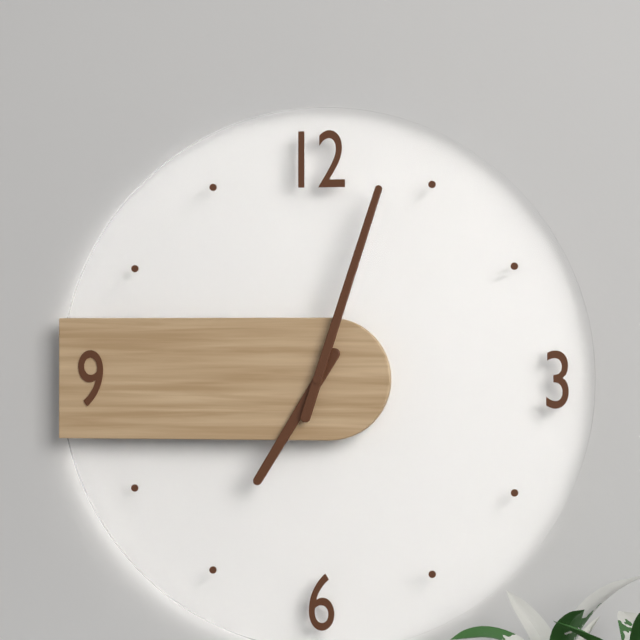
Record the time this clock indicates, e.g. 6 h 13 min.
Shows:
7 h 03 min
